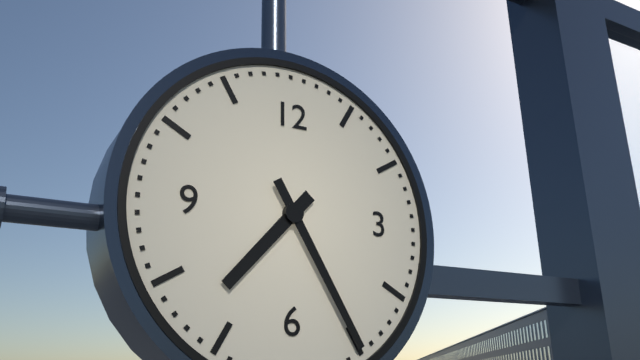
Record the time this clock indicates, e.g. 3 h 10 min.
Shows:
7 h 25 min
